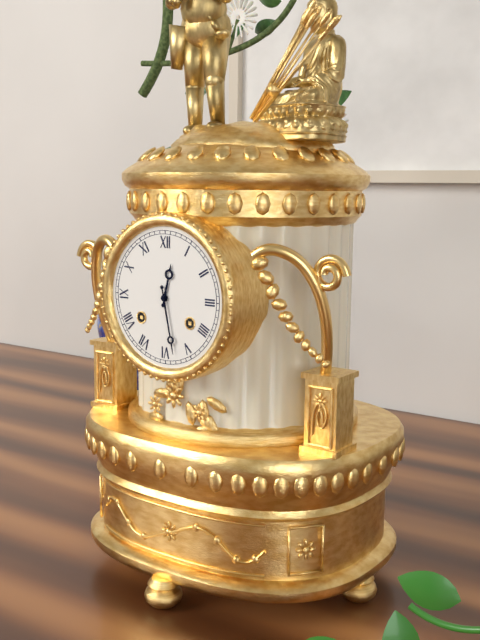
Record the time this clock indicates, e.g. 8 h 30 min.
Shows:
12 h 28 min
